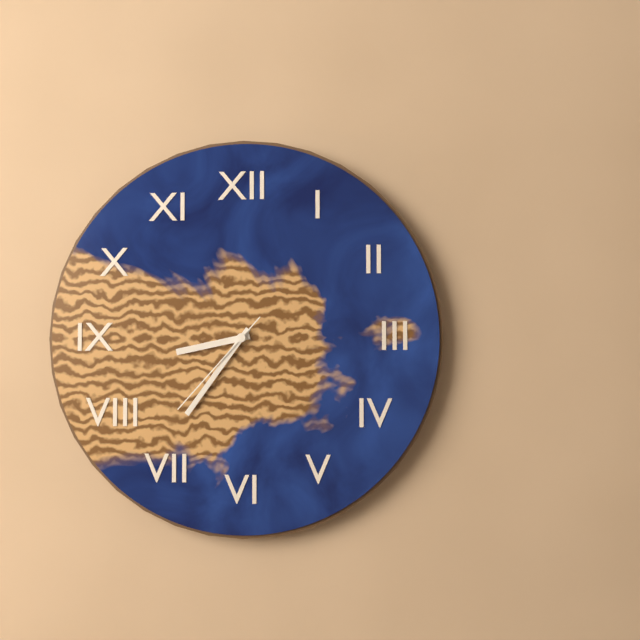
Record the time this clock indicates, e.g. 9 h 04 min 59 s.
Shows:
8 h 36 min 37 s
